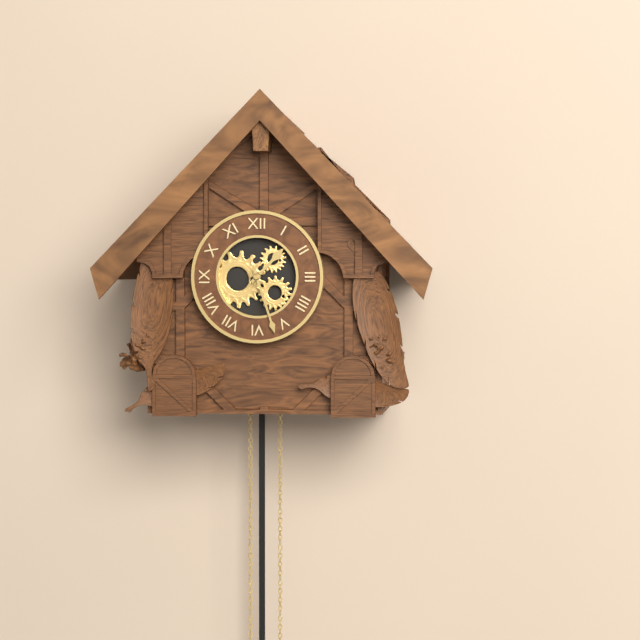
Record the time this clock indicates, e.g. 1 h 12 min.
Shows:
1 h 27 min
